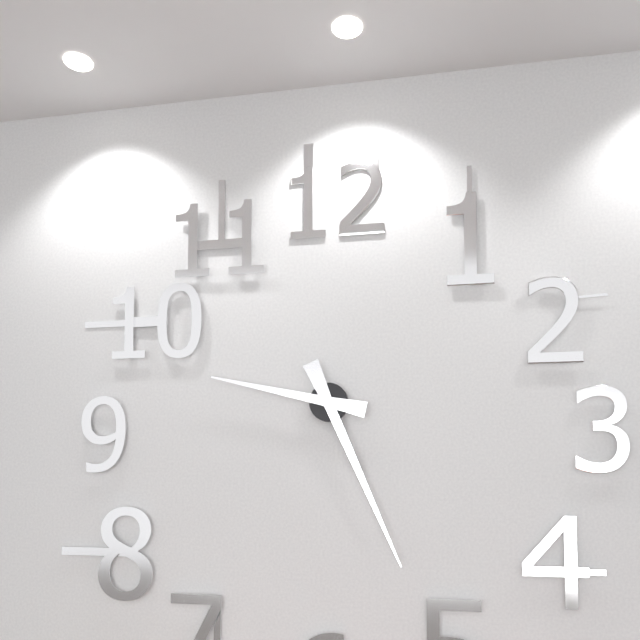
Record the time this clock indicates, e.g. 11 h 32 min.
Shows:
9 h 26 min
